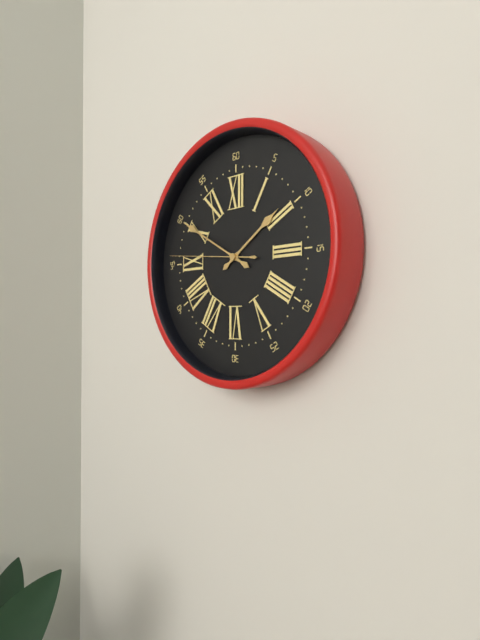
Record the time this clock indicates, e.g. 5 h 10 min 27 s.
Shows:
1 h 50 min 46 s
